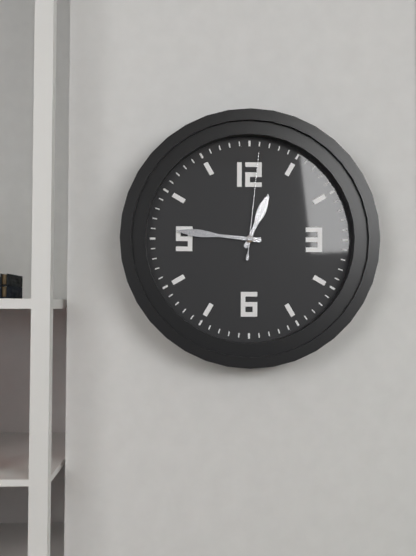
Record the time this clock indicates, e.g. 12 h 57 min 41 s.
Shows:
12 h 46 min 01 s
